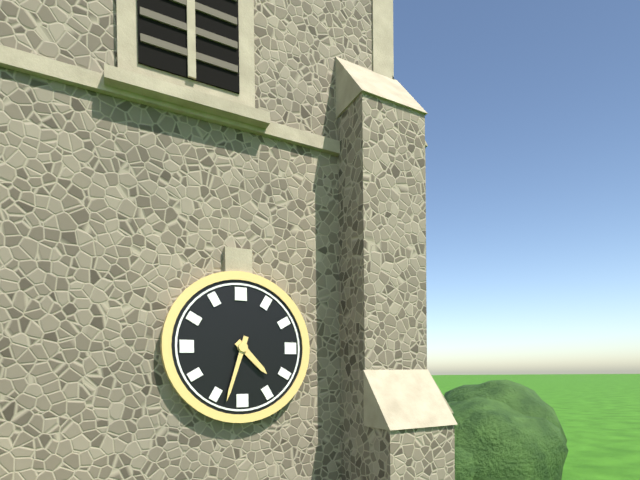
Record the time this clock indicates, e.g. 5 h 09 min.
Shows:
4 h 33 min
